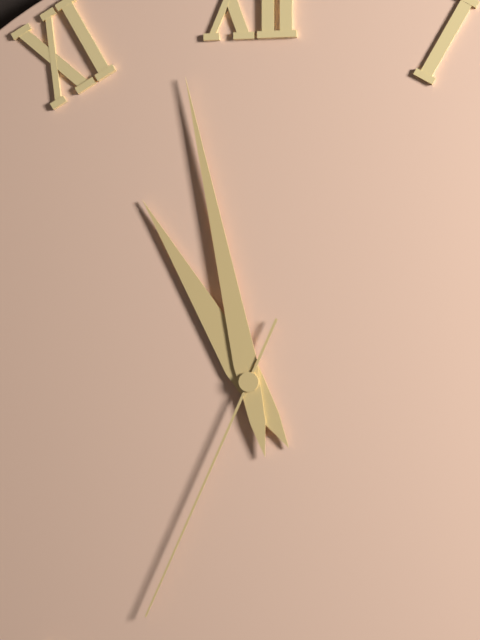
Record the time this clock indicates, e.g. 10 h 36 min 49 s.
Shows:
10 h 58 min 34 s
